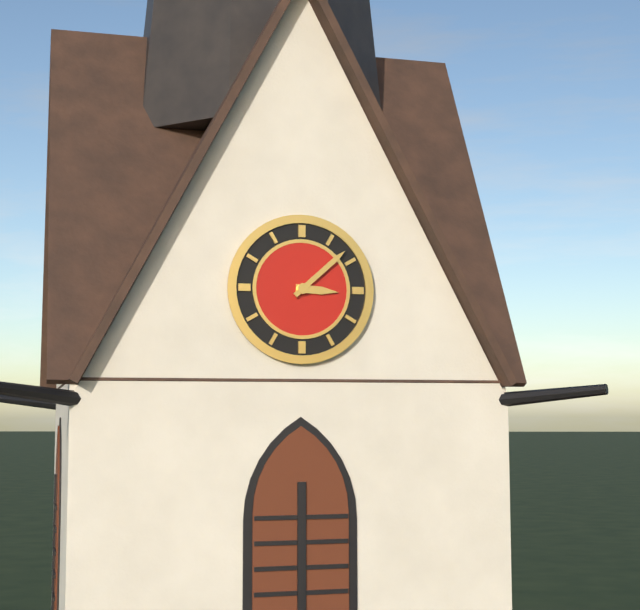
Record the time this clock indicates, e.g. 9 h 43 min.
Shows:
3 h 08 min
